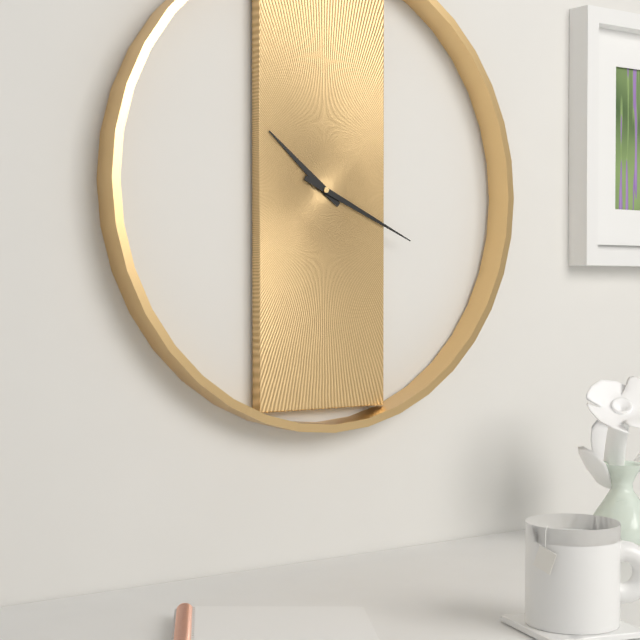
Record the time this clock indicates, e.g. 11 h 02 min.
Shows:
10 h 19 min
